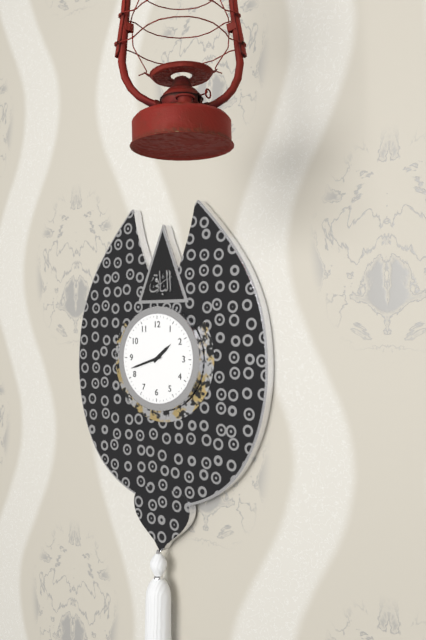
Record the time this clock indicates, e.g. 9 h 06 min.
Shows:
1 h 42 min
